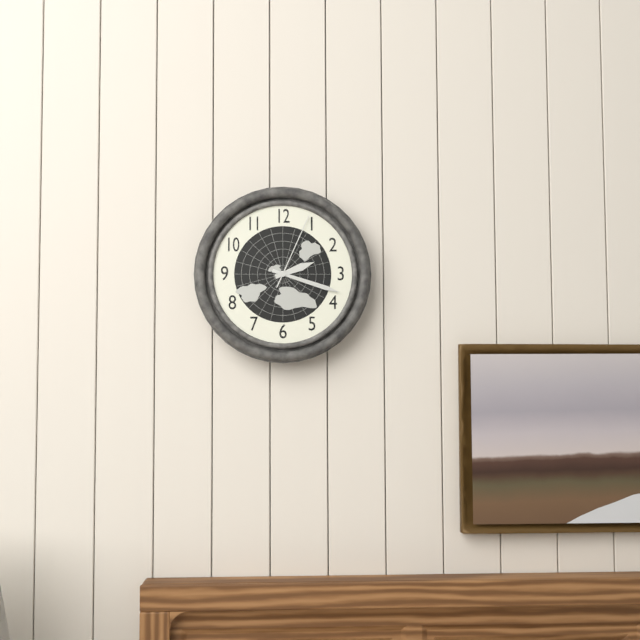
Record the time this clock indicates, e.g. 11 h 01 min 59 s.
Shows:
2 h 18 min 04 s
